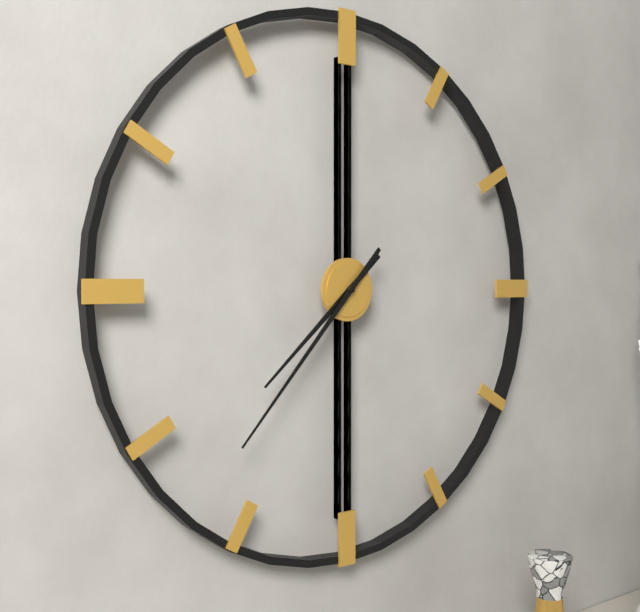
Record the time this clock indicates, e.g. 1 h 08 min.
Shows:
7 h 37 min
